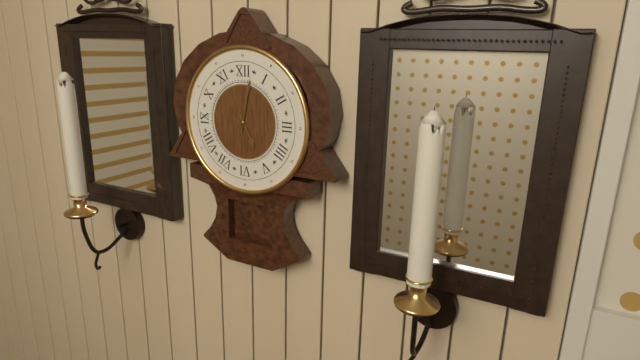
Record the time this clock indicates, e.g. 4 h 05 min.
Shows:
5 h 02 min
